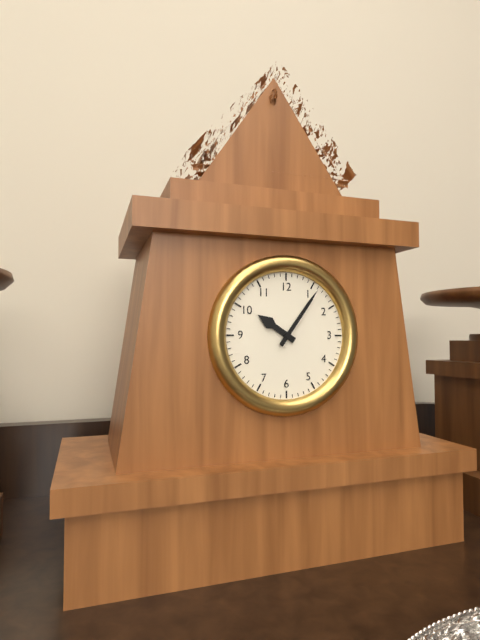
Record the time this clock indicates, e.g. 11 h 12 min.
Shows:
10 h 06 min
